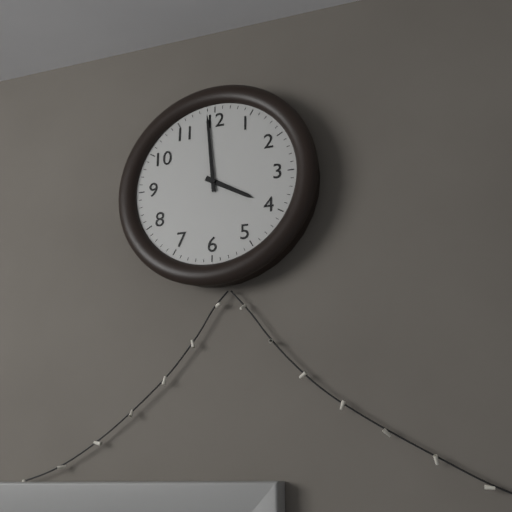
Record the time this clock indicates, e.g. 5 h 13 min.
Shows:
3 h 59 min
